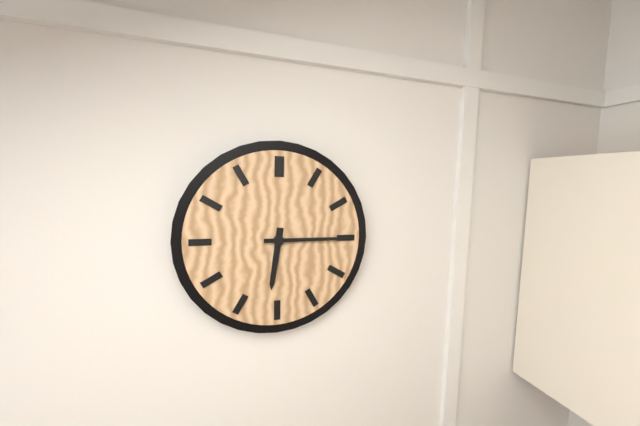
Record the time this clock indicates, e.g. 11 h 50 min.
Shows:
6 h 15 min
